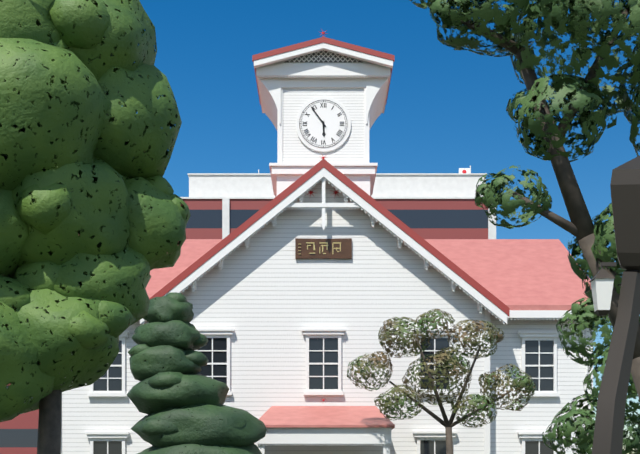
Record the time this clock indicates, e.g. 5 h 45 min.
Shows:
5 h 54 min
